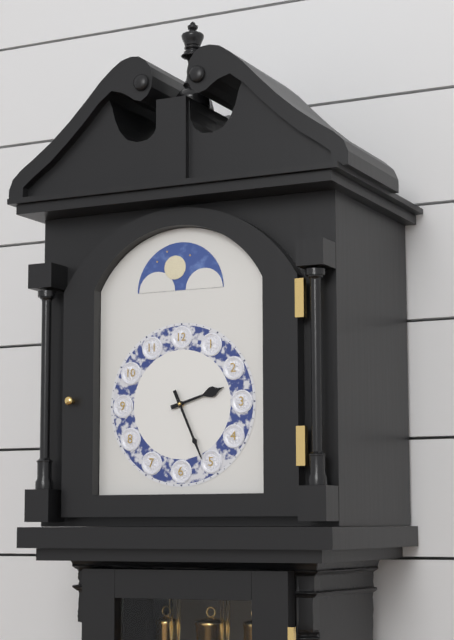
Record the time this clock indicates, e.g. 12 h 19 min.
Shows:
2 h 26 min
